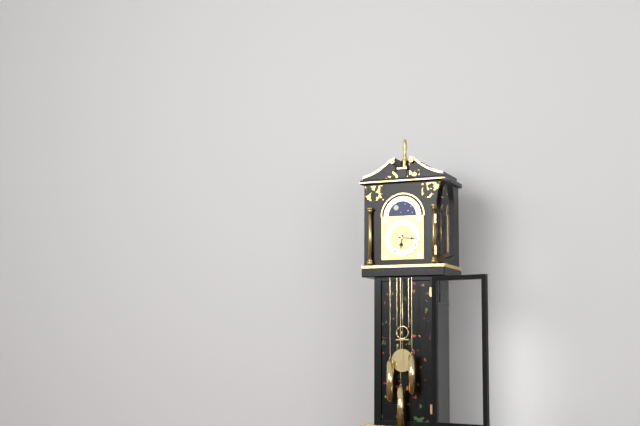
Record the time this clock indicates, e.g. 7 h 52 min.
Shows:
6 h 16 min
